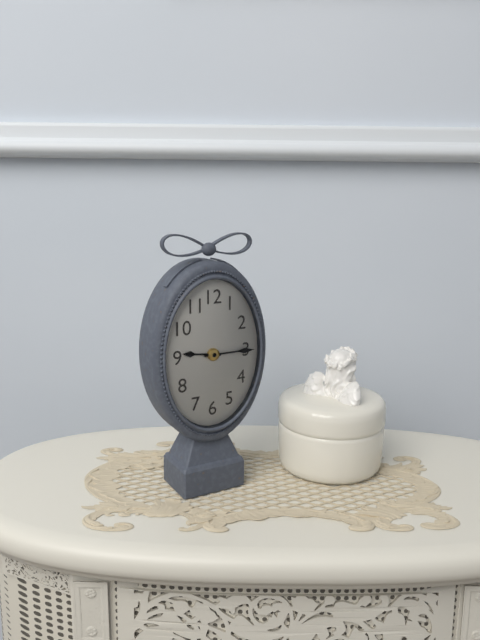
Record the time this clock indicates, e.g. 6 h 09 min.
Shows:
9 h 15 min
